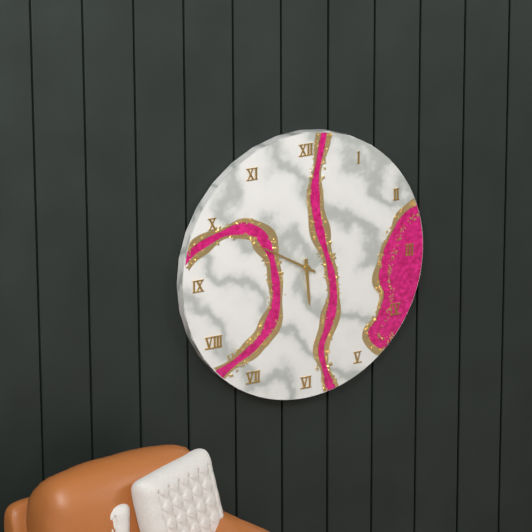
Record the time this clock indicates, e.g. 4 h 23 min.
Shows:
5 h 50 min
